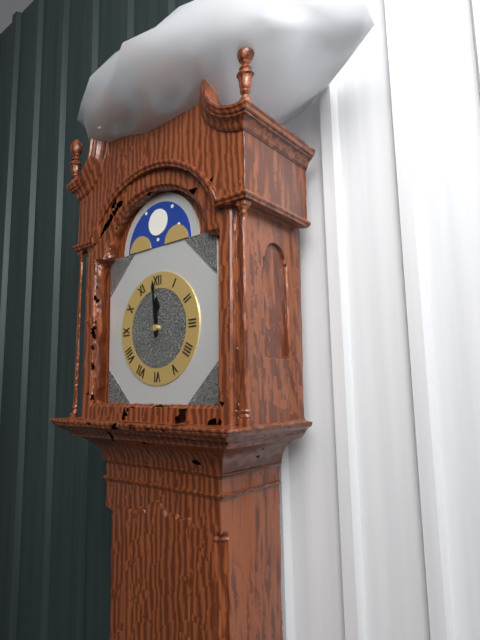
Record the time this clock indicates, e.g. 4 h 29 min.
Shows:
11 h 59 min
